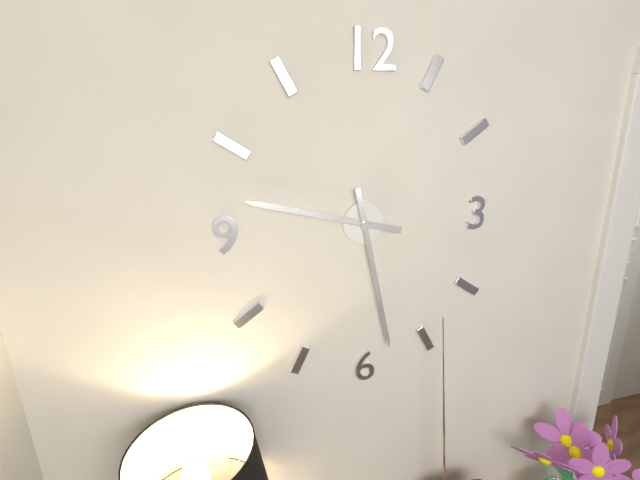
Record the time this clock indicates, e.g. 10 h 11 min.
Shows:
9 h 28 min
